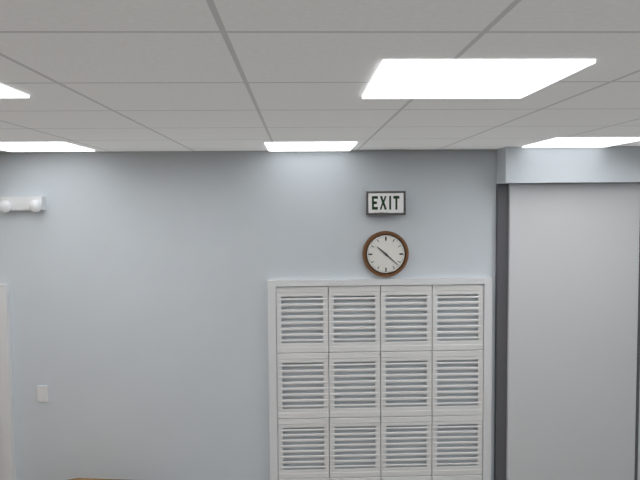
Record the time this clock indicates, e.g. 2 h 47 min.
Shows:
10 h 22 min
